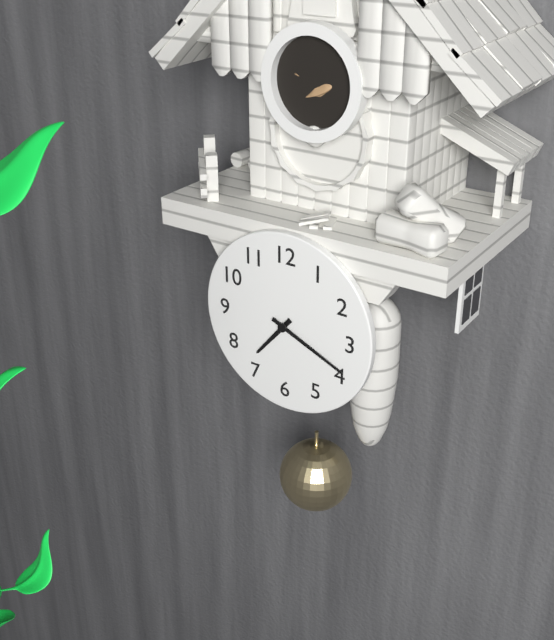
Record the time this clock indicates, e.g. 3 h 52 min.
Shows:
7 h 19 min
